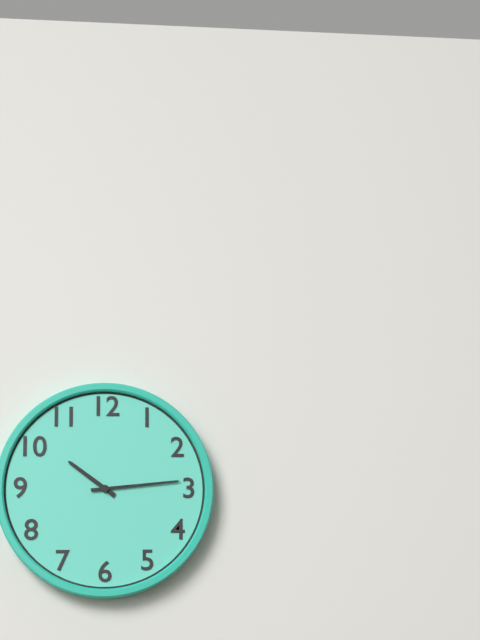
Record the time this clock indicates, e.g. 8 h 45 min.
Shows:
10 h 14 min
